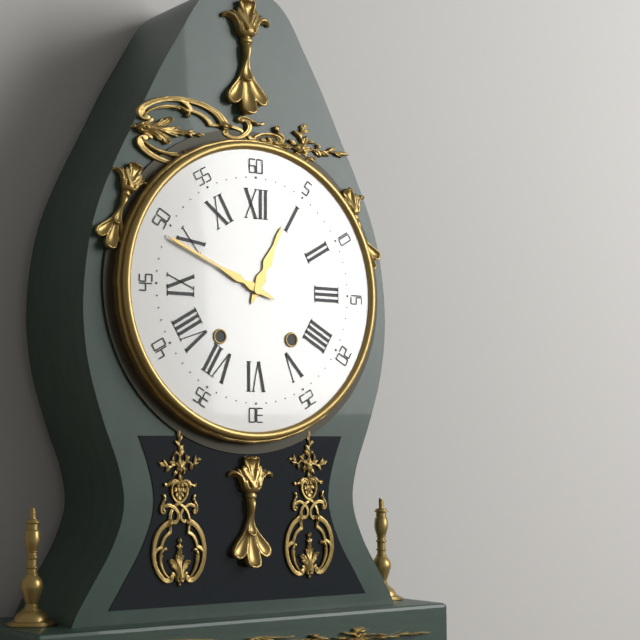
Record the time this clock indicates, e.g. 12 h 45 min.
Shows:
12 h 49 min
